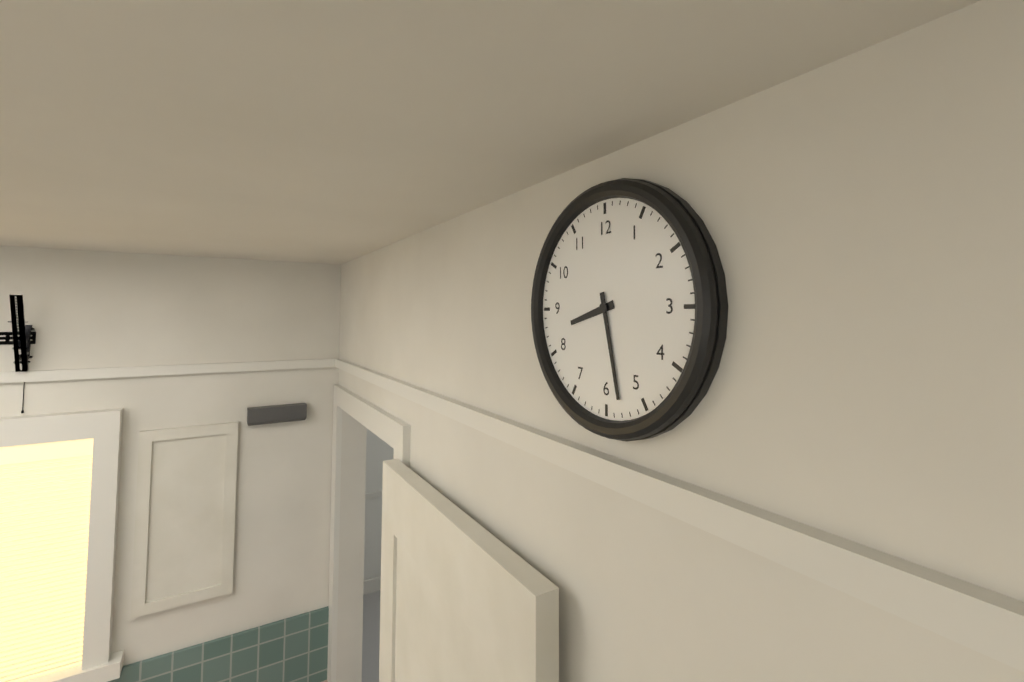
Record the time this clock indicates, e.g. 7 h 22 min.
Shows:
8 h 28 min
